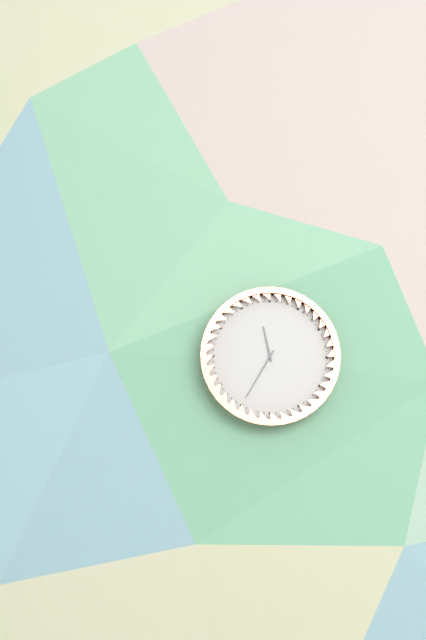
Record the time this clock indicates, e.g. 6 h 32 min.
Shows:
11 h 35 min
